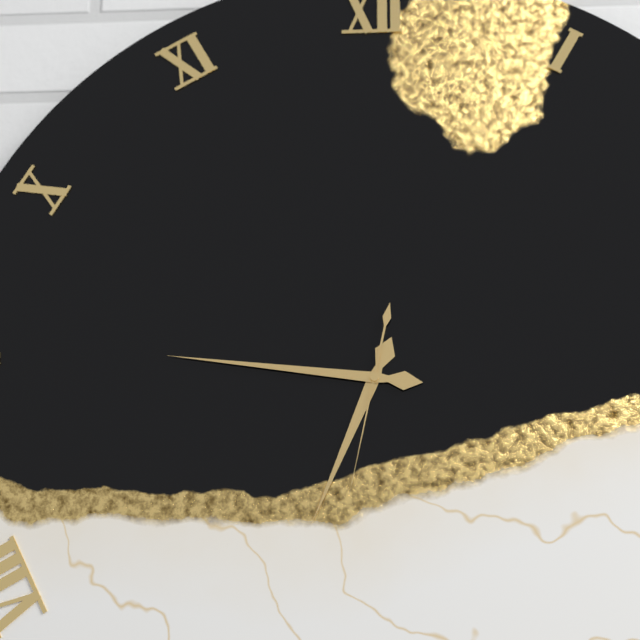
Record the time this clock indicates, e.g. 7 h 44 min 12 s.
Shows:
6 h 46 min 32 s
